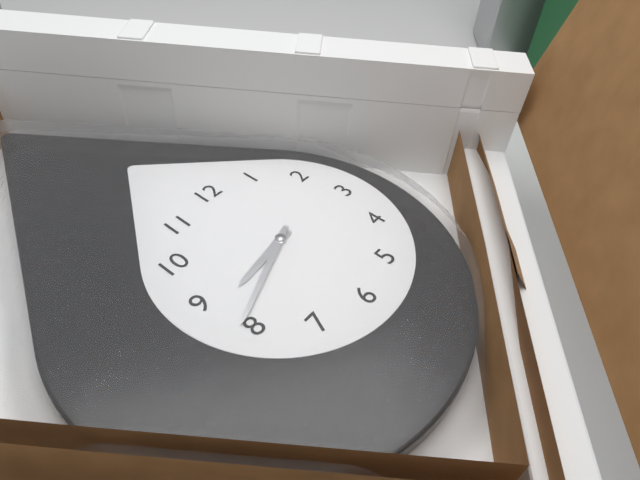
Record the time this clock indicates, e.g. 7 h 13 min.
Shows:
8 h 41 min
